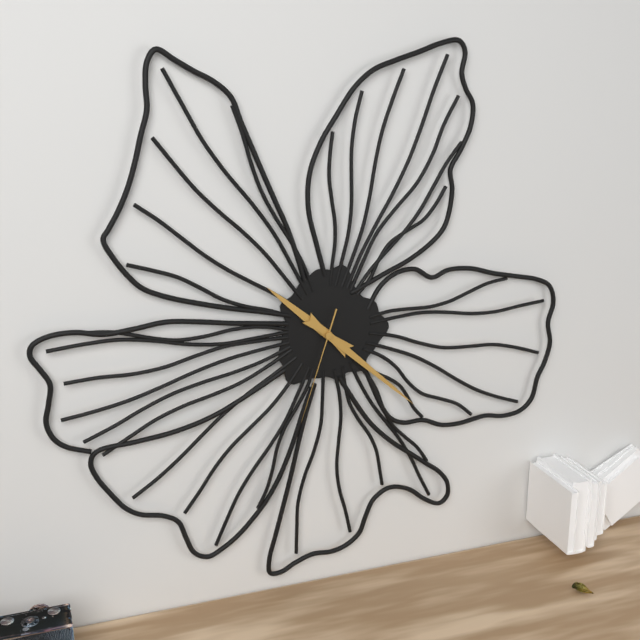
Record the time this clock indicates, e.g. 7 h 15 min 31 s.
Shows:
10 h 22 min 33 s
